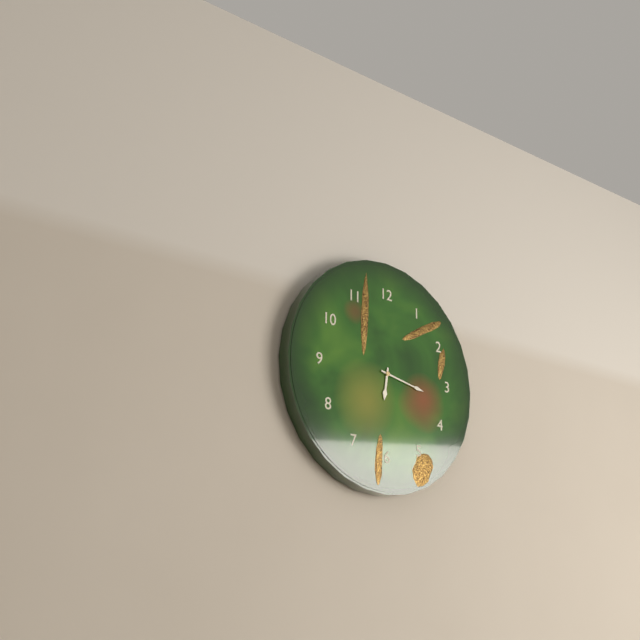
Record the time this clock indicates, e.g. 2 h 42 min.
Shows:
6 h 17 min
